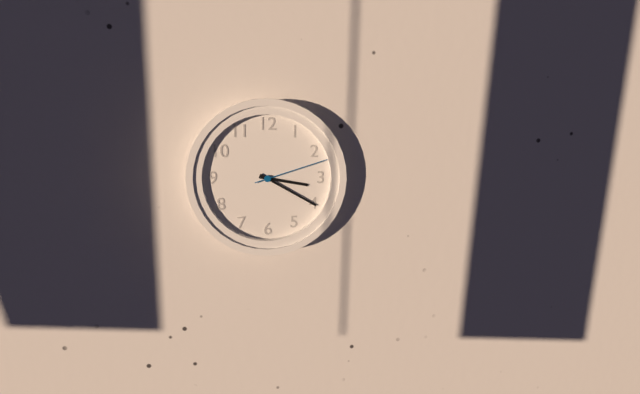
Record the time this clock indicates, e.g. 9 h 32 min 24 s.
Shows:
3 h 20 min 12 s
